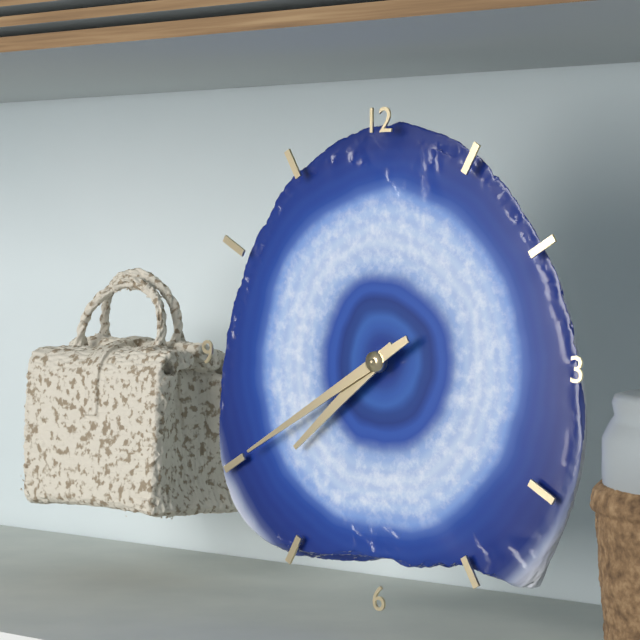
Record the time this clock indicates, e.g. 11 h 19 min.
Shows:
7 h 40 min
